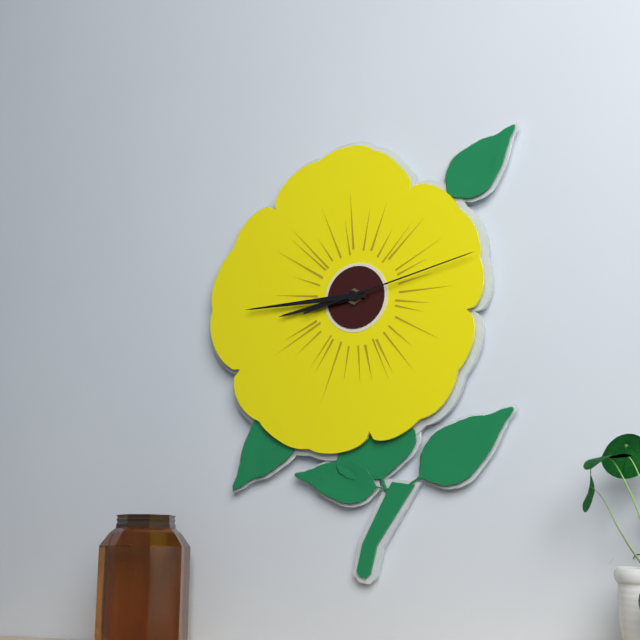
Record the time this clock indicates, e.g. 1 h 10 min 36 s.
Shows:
8 h 45 min 13 s
